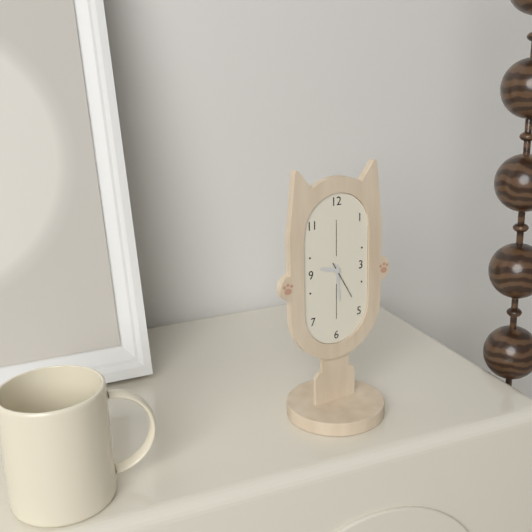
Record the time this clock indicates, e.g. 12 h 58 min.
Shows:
9 h 29 min
